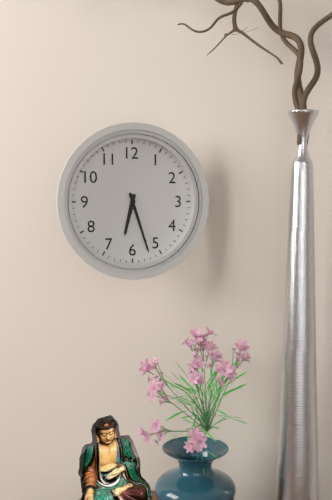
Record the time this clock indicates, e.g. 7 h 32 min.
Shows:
6 h 27 min
